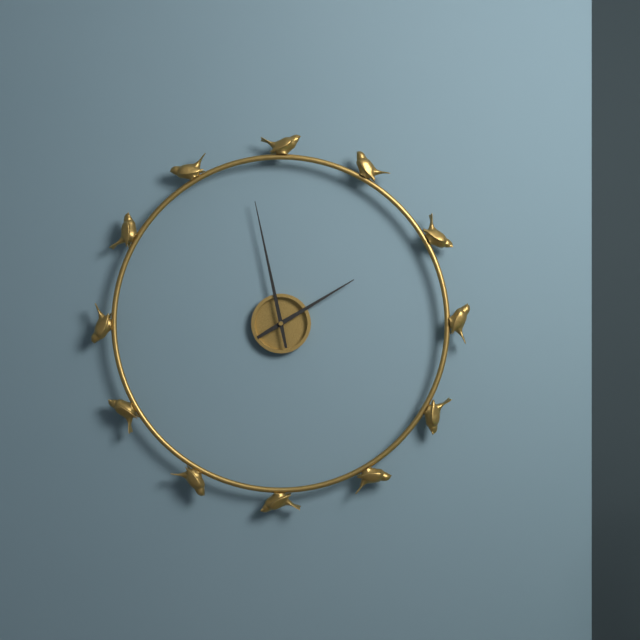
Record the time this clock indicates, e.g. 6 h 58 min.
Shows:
1 h 58 min
